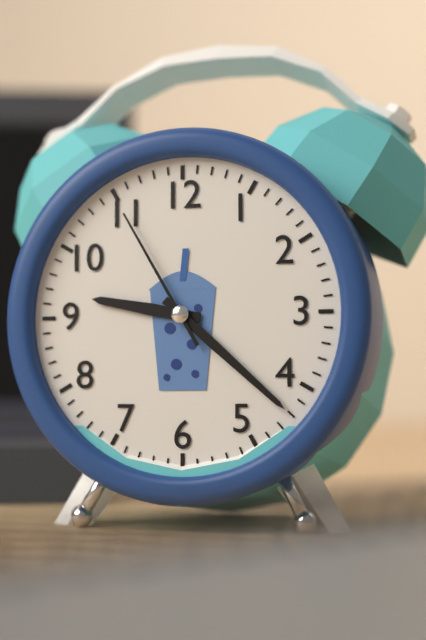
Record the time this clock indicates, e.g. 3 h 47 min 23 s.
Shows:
9 h 22 min 55 s
